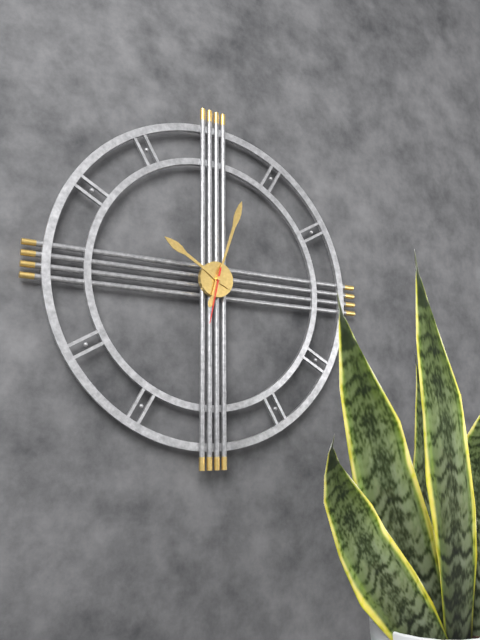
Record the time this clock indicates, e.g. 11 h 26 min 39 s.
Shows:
10 h 03 min 32 s
